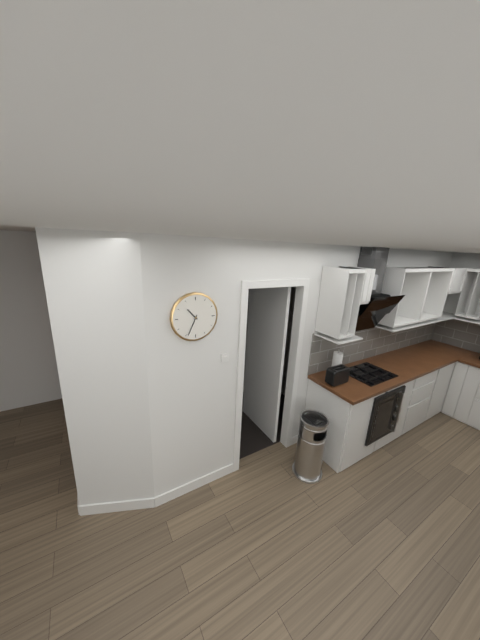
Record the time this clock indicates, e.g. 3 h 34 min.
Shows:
10 h 34 min
